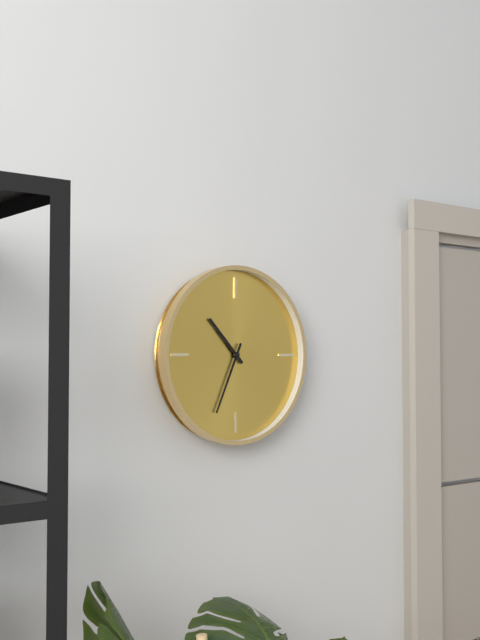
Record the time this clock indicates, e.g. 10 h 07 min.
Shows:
10 h 34 min
